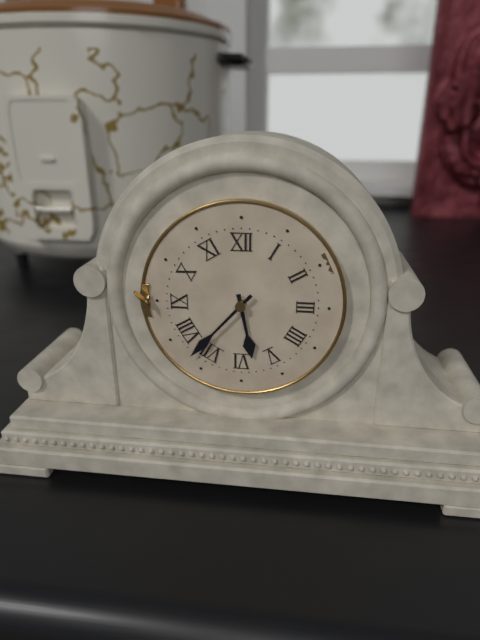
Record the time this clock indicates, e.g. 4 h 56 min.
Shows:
5 h 37 min
